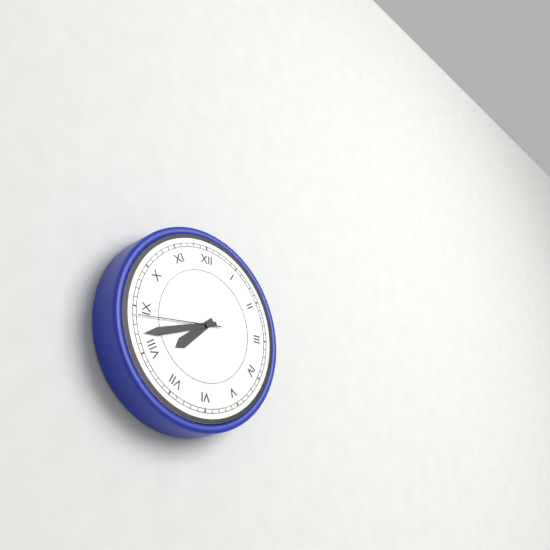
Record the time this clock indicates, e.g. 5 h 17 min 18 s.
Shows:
7 h 42 min 44 s
